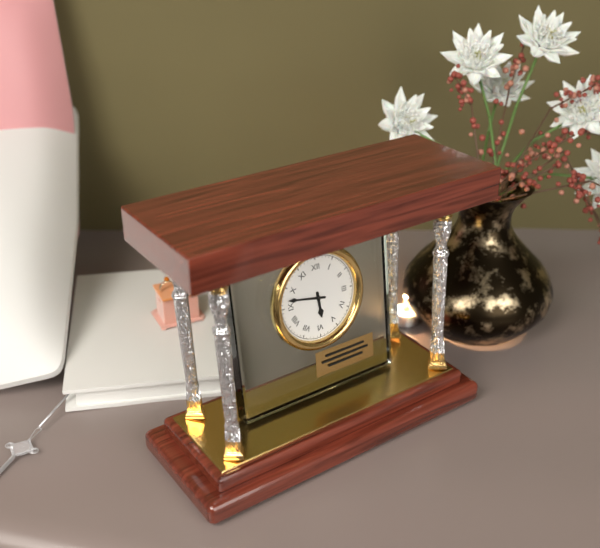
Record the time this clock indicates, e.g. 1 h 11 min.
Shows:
5 h 47 min
